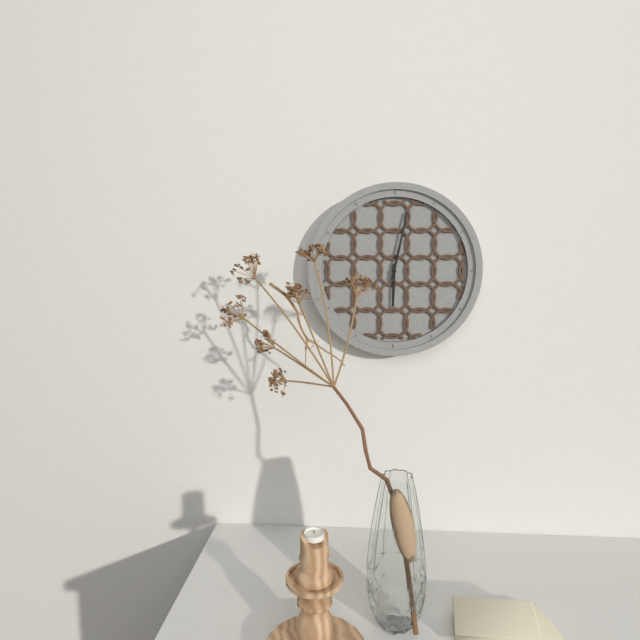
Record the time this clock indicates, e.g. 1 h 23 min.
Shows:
6 h 02 min
